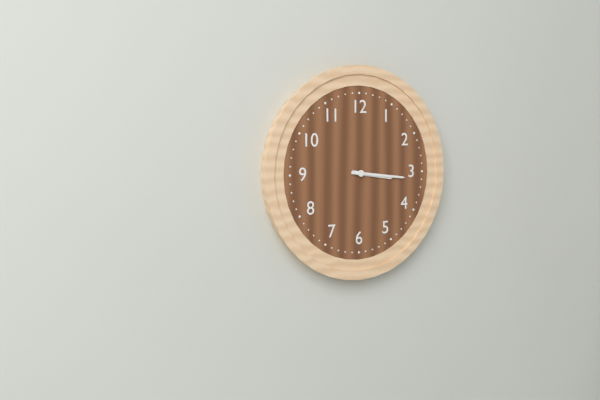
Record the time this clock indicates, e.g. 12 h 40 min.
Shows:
3 h 16 min
